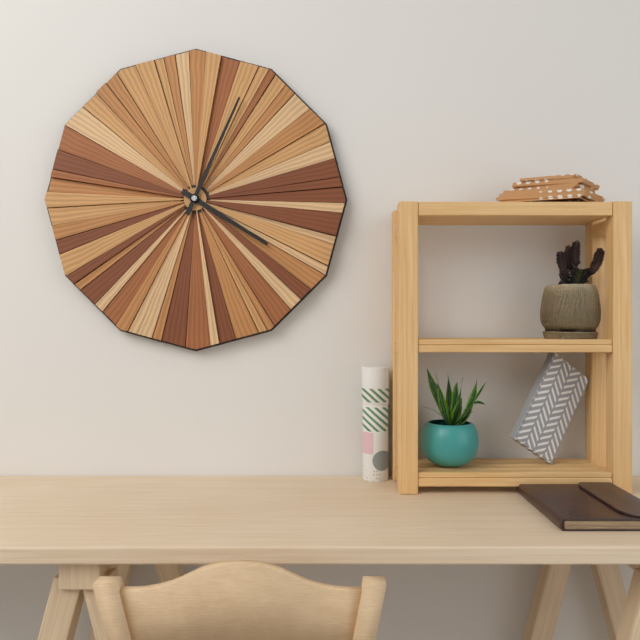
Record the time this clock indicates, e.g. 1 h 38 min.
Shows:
4 h 04 min
